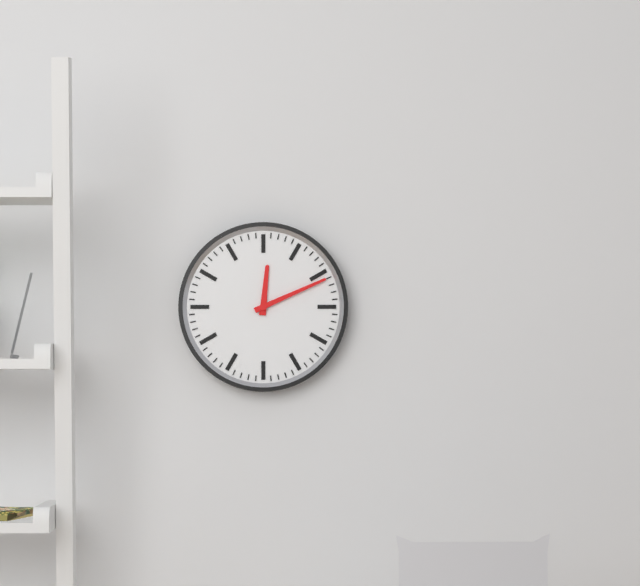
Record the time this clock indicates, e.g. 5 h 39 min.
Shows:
12 h 11 min
